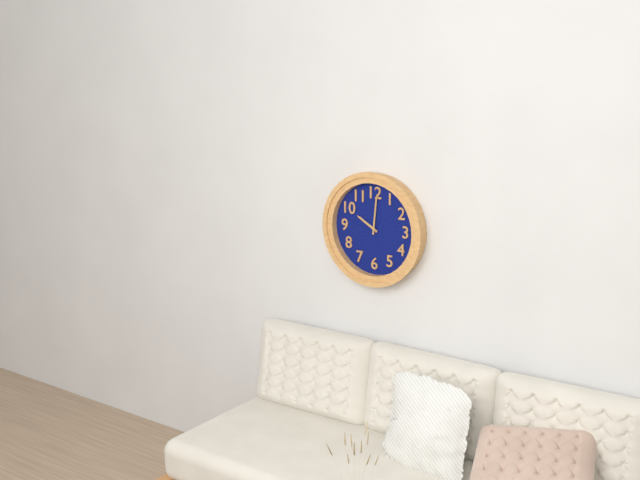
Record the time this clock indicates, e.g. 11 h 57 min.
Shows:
10 h 01 min
